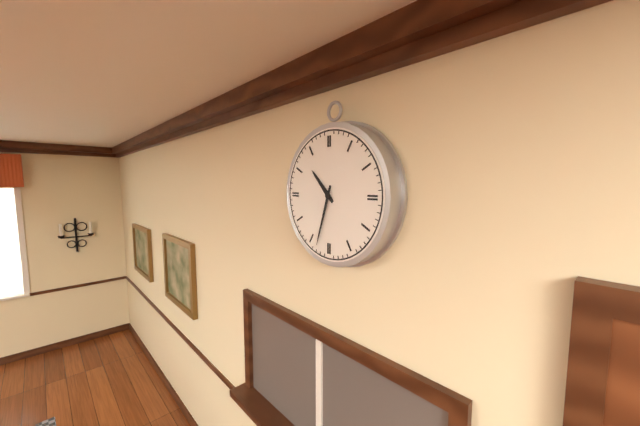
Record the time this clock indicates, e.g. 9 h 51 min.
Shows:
10 h 33 min
